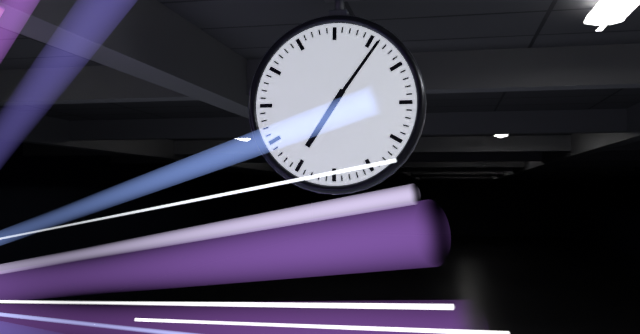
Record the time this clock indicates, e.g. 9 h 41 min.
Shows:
7 h 06 min
